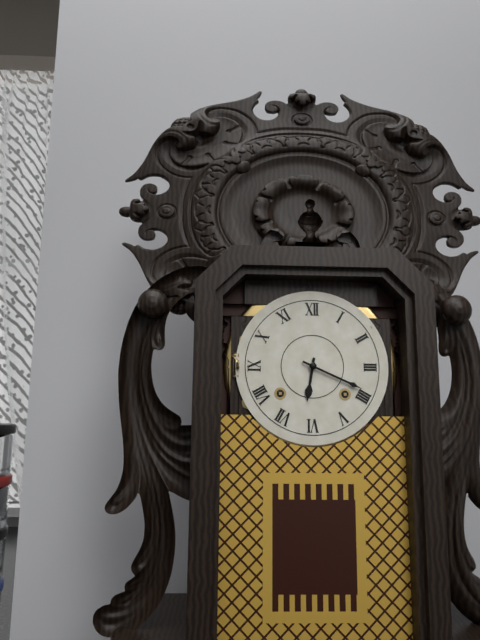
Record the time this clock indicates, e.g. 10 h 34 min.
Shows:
6 h 19 min
